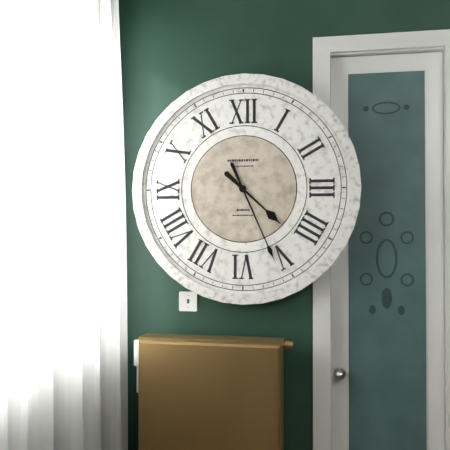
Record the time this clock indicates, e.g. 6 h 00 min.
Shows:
4 h 26 min
